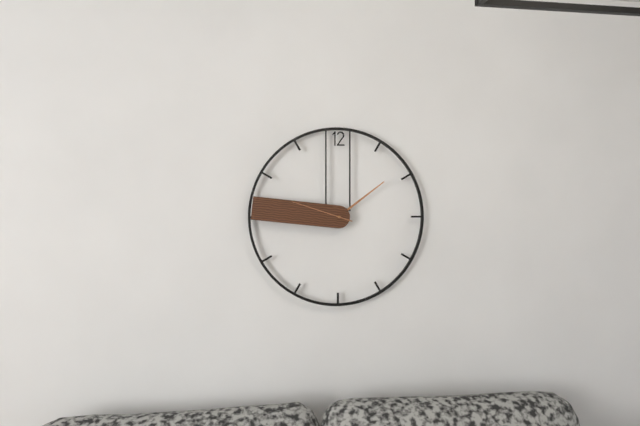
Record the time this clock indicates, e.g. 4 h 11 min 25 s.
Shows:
1 h 46 min 48 s
